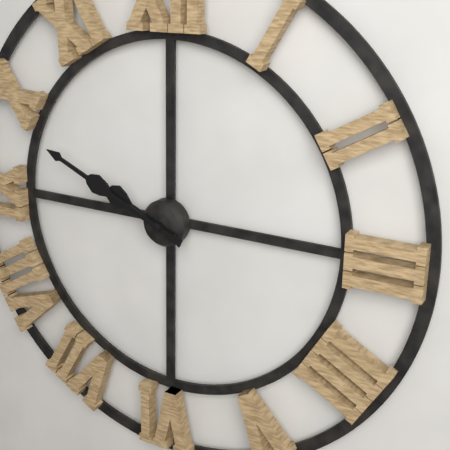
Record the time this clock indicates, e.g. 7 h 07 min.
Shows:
9 h 49 min
